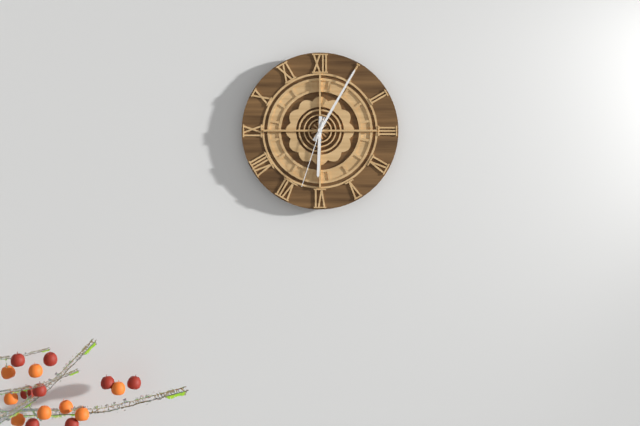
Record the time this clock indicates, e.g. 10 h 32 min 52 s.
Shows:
6 h 05 min 33 s
